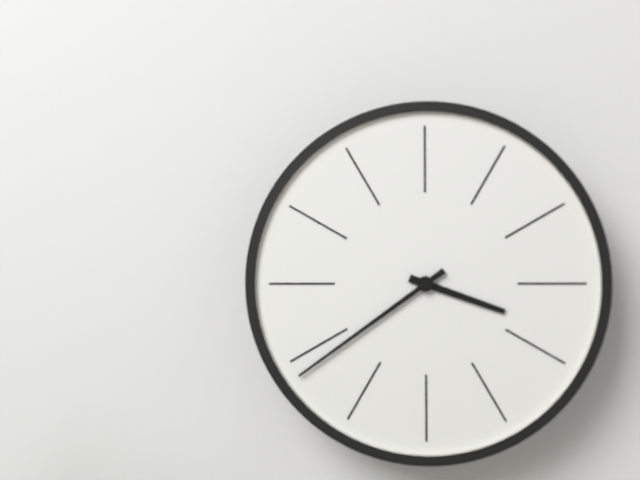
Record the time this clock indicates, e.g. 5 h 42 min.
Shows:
3 h 39 min
